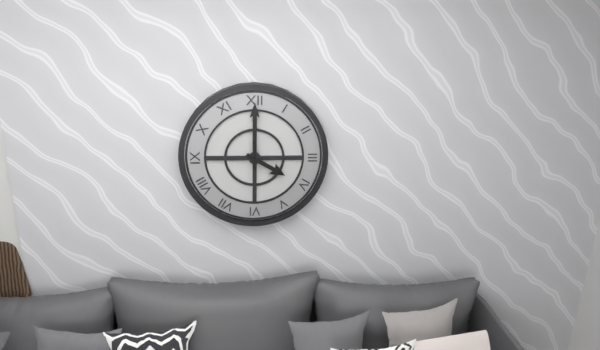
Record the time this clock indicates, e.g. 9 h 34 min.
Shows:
4 h 00 min
